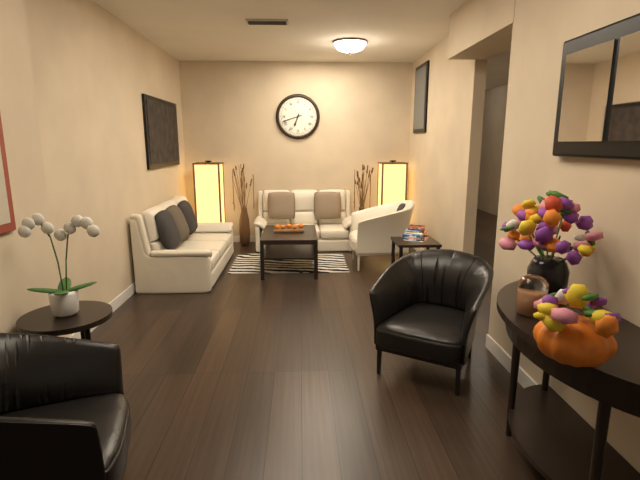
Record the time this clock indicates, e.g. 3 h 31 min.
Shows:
6 h 42 min
